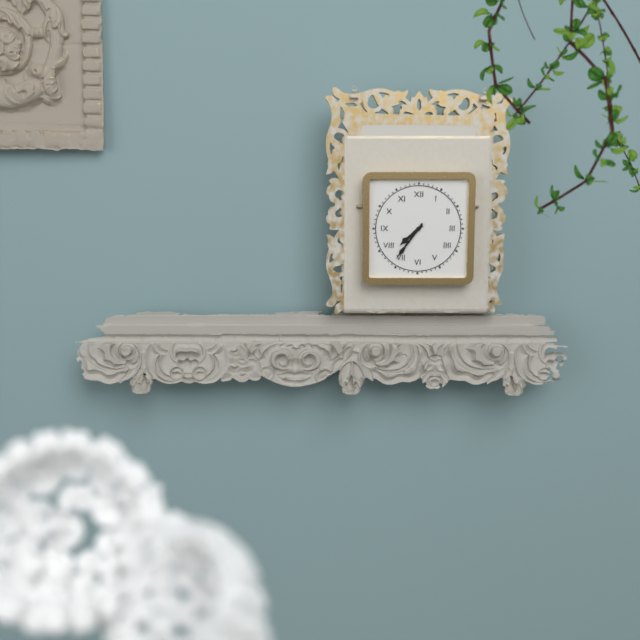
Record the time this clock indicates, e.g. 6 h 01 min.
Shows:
7 h 36 min
